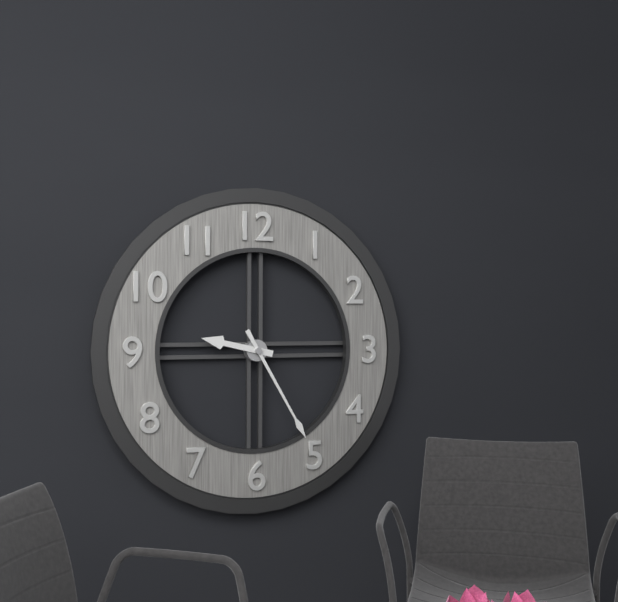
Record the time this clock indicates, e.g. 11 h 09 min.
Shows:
9 h 25 min
